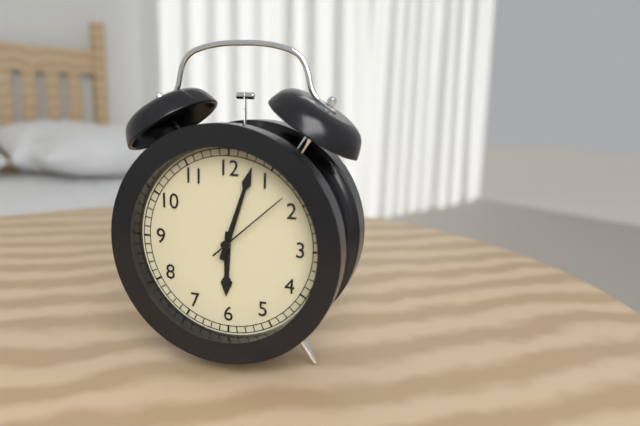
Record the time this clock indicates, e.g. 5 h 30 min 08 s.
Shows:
6 h 03 min 08 s
